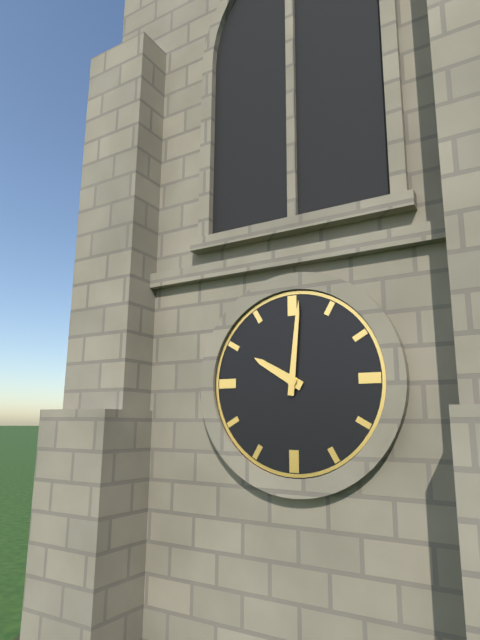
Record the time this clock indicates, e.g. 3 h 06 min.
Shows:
10 h 01 min
